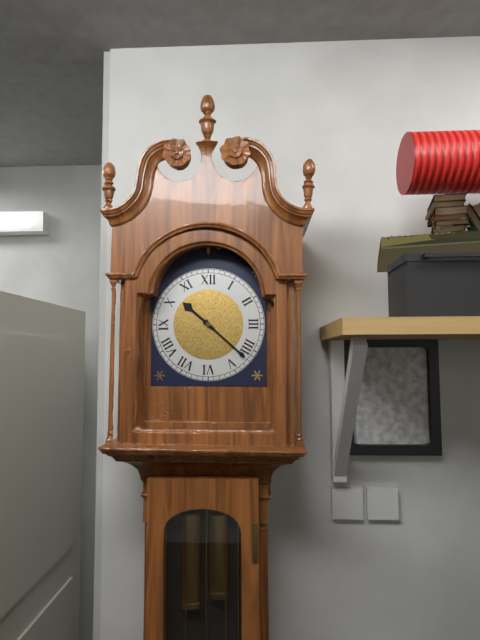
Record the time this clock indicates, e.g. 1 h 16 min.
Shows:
10 h 22 min
